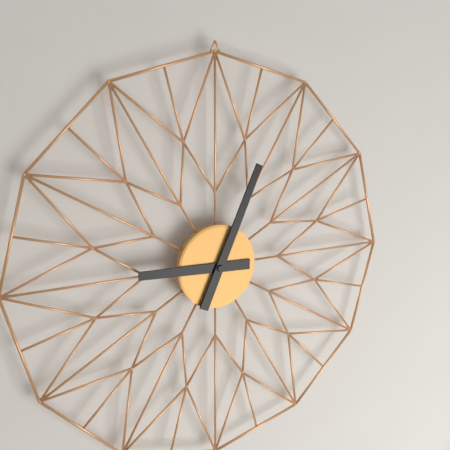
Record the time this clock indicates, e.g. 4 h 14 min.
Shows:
9 h 04 min
